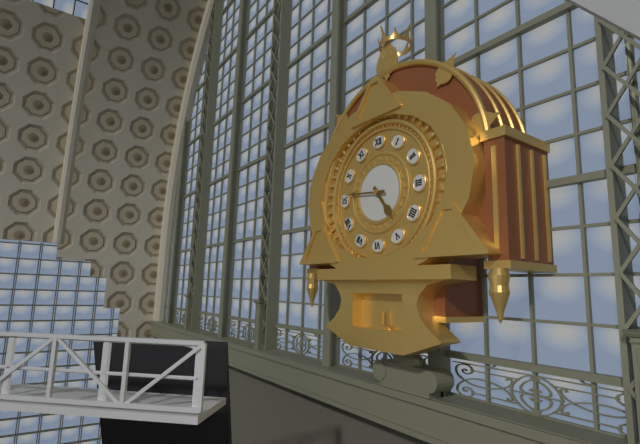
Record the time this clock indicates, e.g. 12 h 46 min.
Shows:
4 h 46 min
